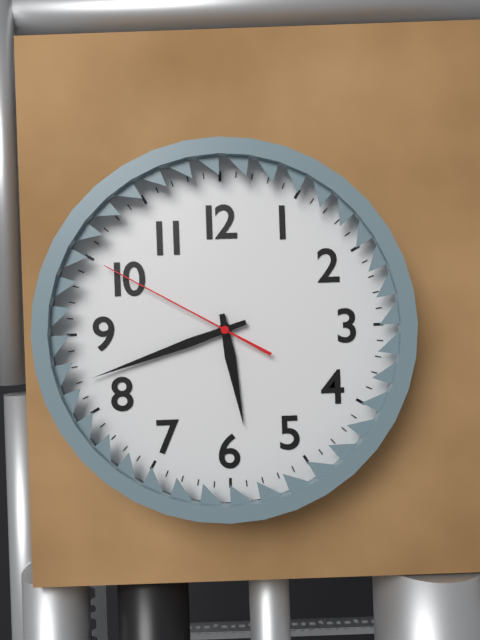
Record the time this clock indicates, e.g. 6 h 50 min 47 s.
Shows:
5 h 42 min 50 s
